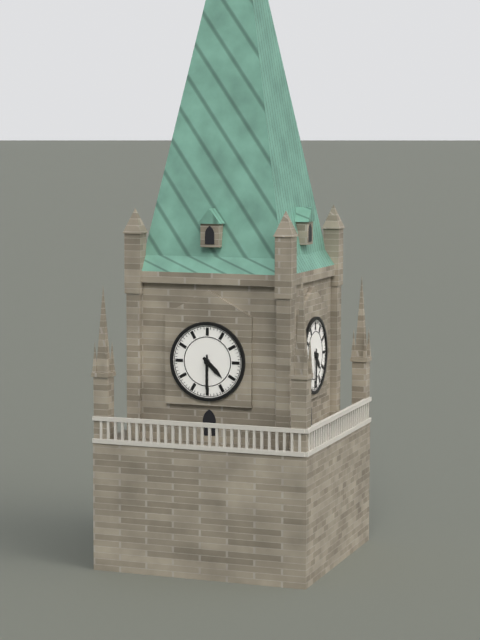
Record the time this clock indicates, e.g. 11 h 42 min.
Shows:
4 h 30 min
